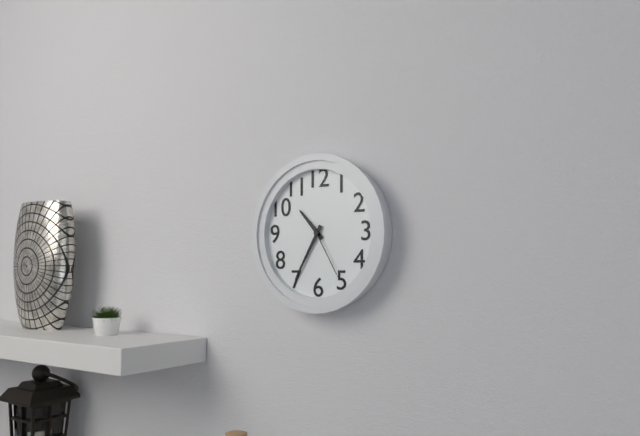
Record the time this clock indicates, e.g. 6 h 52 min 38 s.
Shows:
10 h 35 min 25 s
